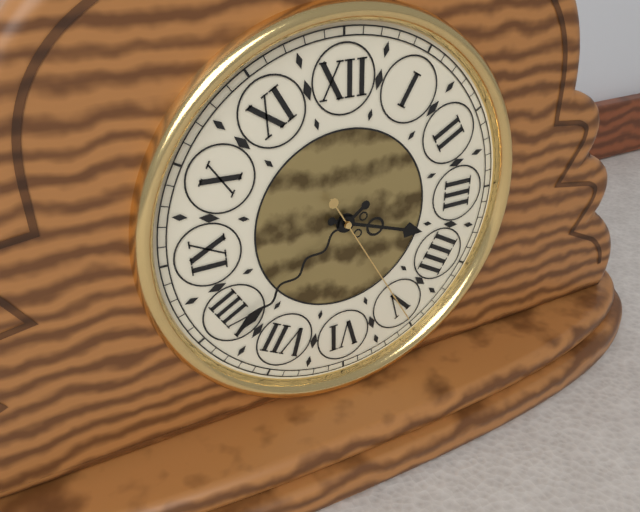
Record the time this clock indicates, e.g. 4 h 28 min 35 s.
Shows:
3 h 39 min 25 s
